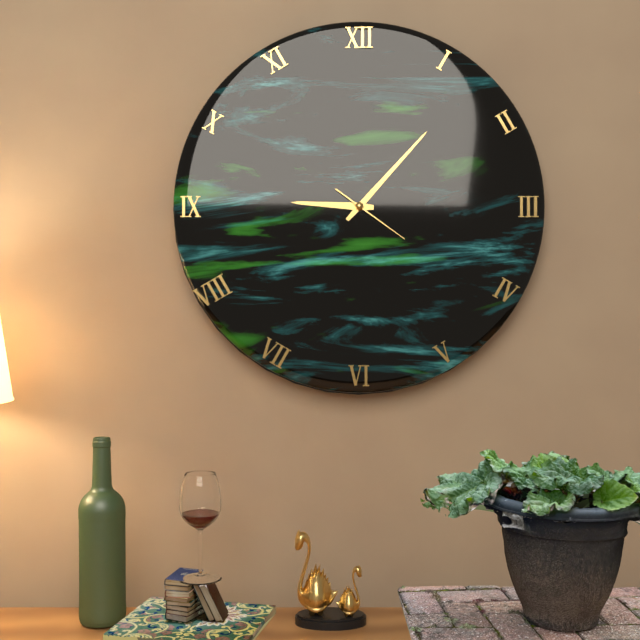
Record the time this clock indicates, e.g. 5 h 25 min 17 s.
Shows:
9 h 07 min 21 s
